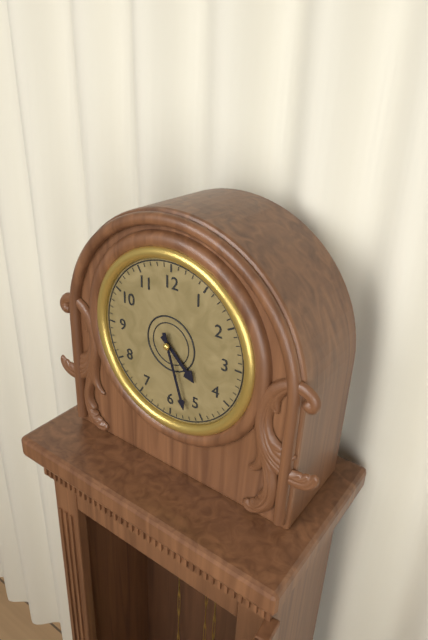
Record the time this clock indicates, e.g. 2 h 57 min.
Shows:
4 h 27 min
